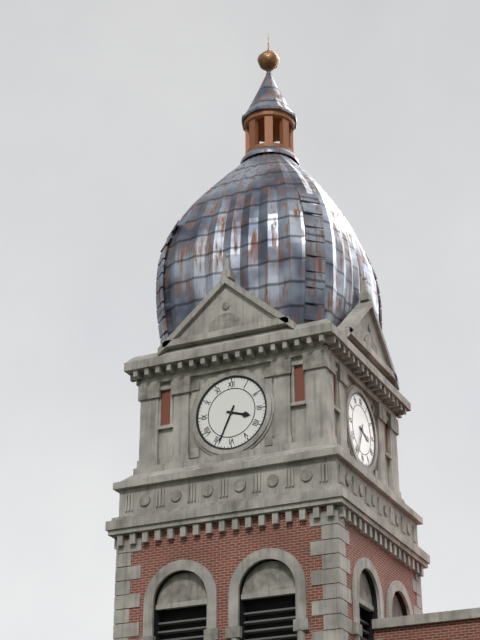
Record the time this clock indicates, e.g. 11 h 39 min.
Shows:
3 h 34 min
